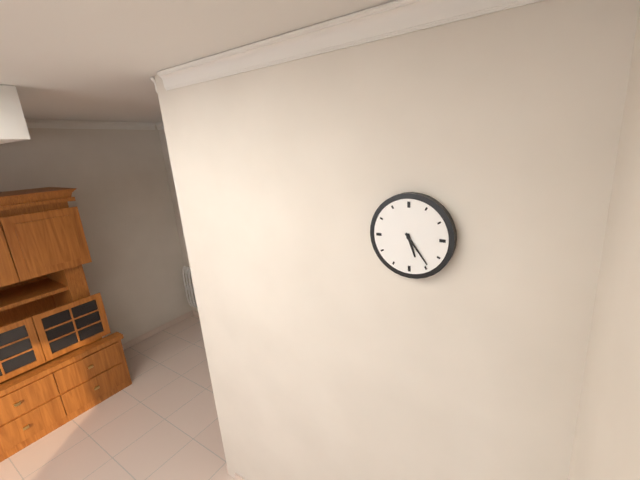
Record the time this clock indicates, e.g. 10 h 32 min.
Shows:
5 h 24 min
